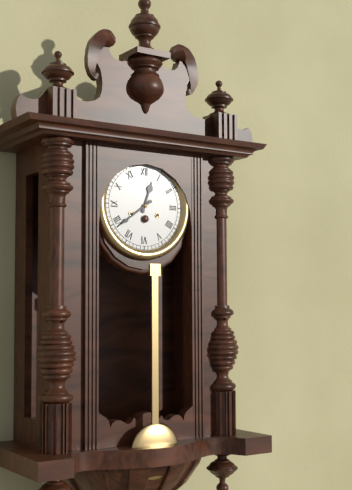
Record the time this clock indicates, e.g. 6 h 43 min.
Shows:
12 h 39 min
